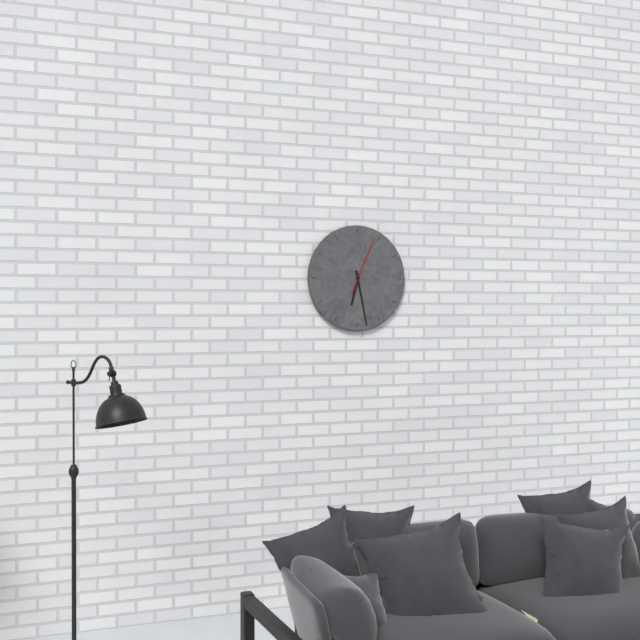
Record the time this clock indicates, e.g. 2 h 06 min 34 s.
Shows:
6 h 28 min 04 s
